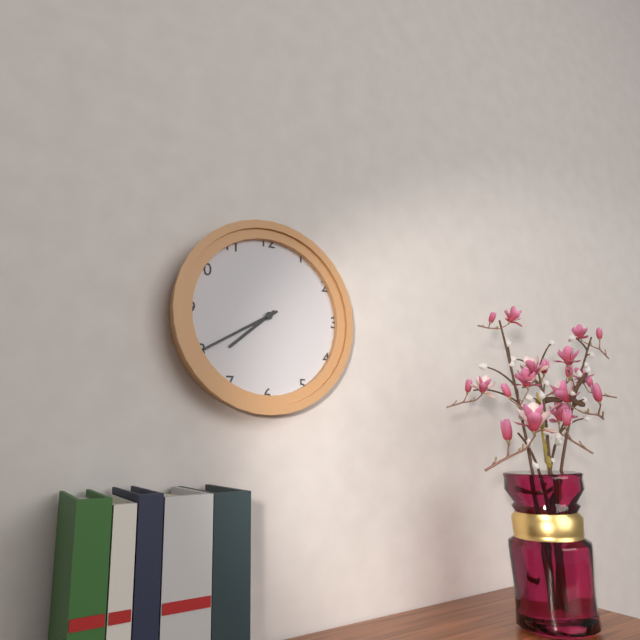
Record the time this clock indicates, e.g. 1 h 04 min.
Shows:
7 h 40 min
